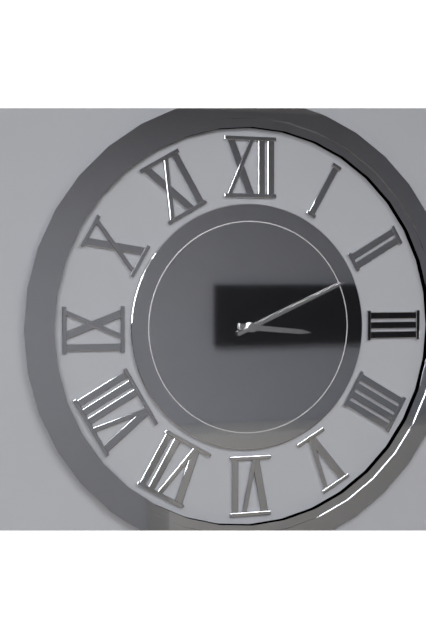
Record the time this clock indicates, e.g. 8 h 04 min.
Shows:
3 h 11 min
